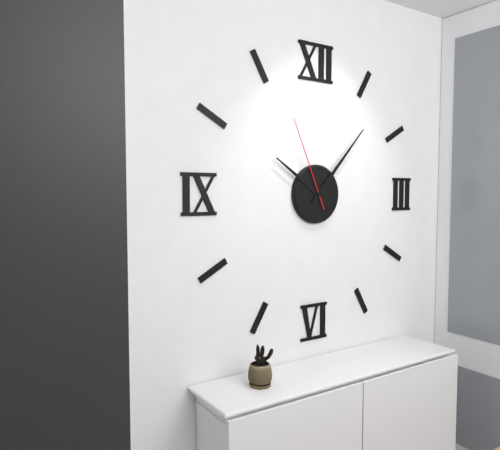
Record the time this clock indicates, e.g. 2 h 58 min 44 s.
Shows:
10 h 07 min 56 s
